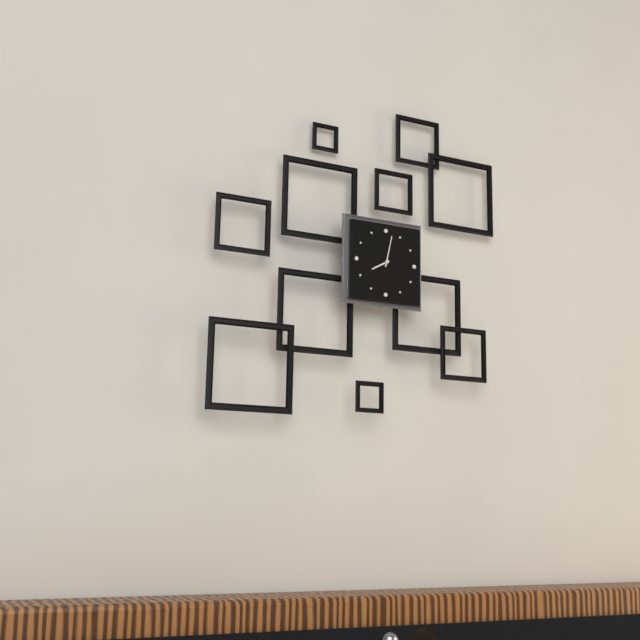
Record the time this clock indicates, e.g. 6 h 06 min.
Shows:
8 h 02 min
